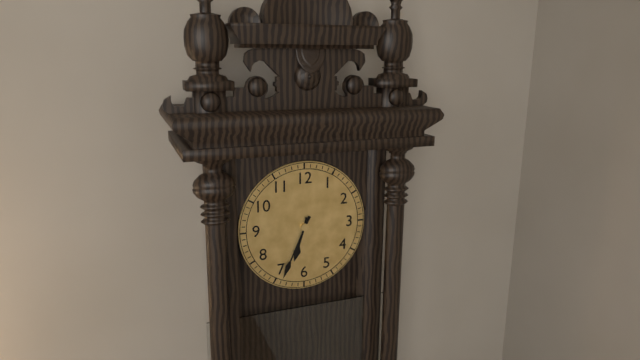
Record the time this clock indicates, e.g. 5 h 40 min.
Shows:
6 h 34 min
